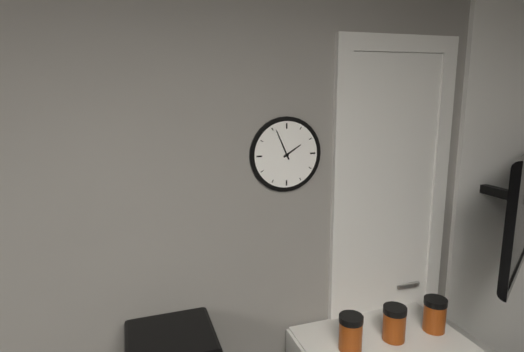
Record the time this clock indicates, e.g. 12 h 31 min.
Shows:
1 h 56 min
